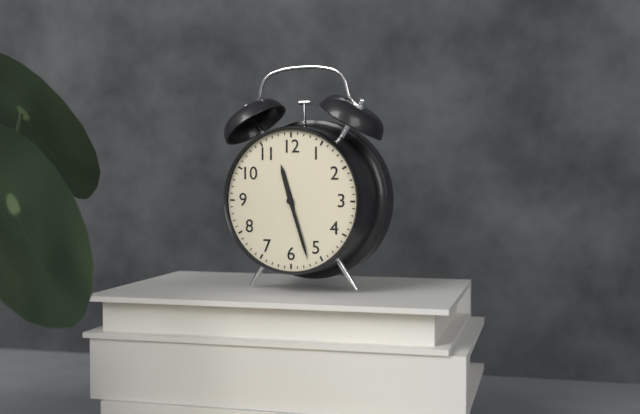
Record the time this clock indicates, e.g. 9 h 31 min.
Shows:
11 h 27 min
